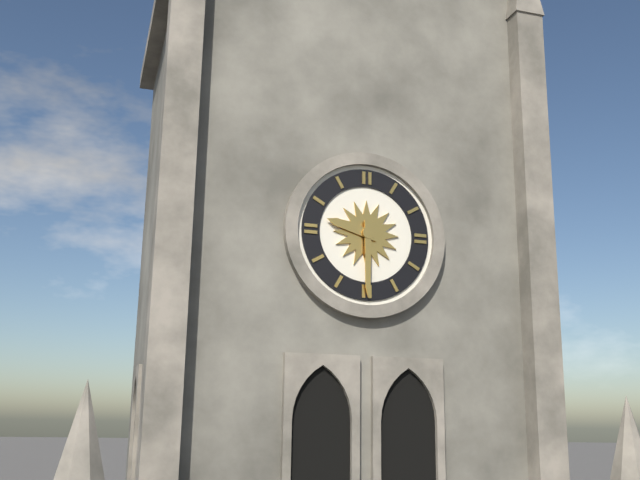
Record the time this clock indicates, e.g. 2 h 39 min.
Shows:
9 h 30 min
